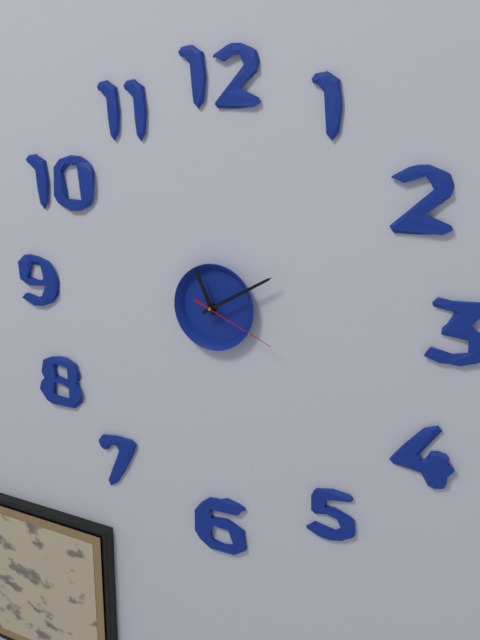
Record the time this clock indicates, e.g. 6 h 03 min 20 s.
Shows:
11 h 10 min 19 s
